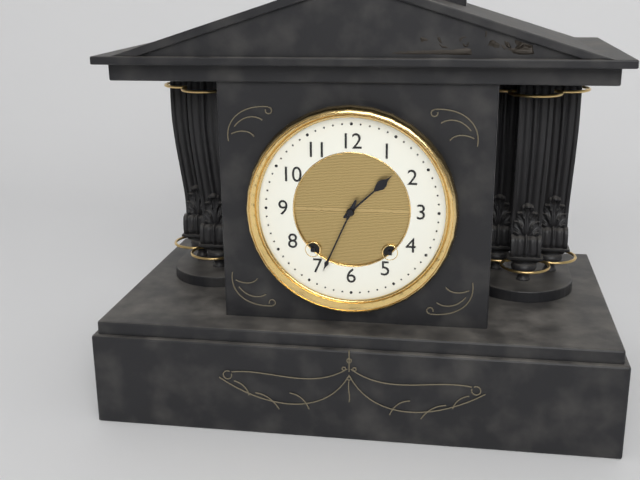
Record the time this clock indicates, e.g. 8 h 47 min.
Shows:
1 h 34 min
